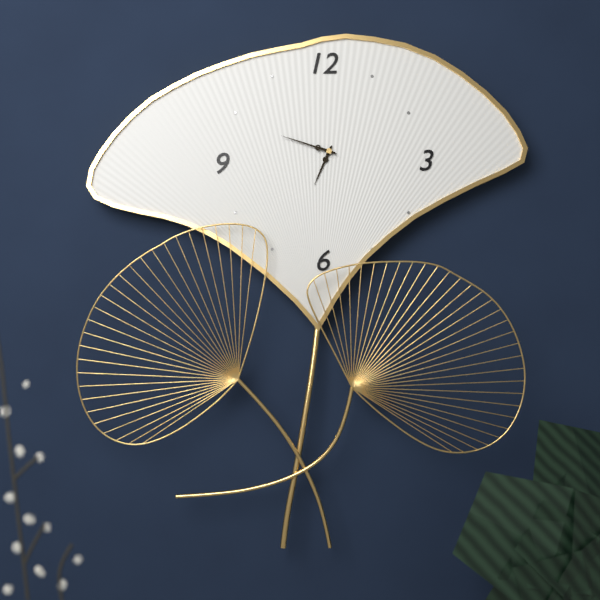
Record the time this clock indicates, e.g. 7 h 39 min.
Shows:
6 h 48 min
